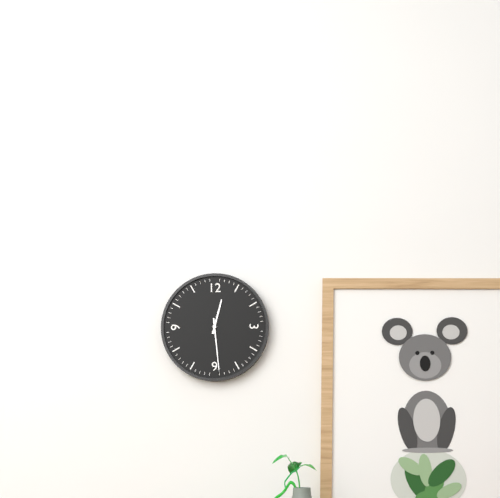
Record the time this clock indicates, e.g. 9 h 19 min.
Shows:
12 h 29 min
